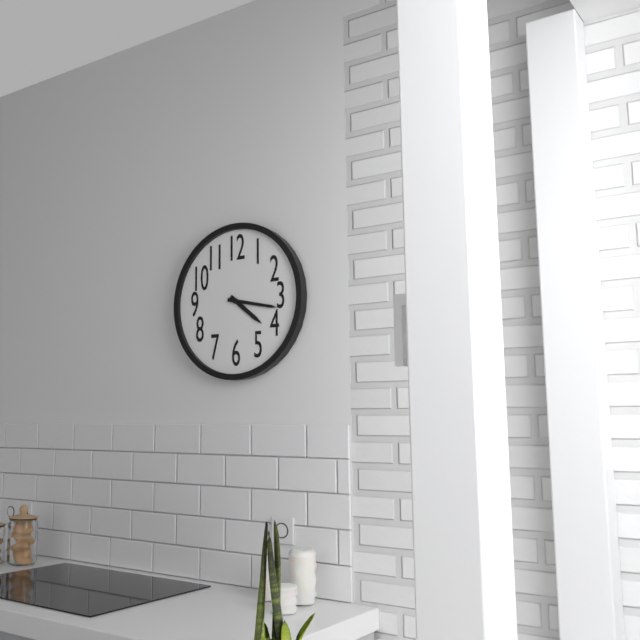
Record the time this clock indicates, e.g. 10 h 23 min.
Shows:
4 h 17 min
